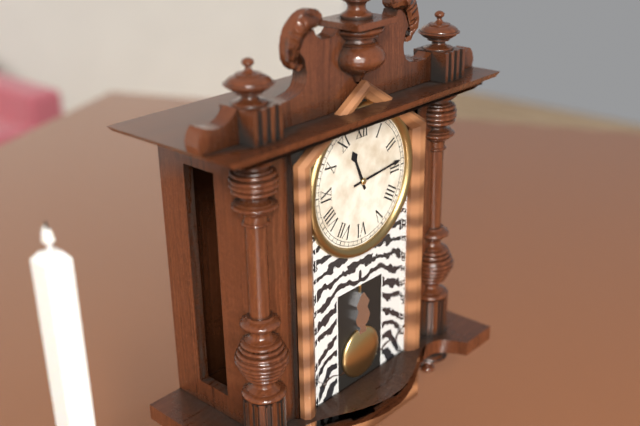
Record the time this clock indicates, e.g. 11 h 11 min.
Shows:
11 h 14 min
